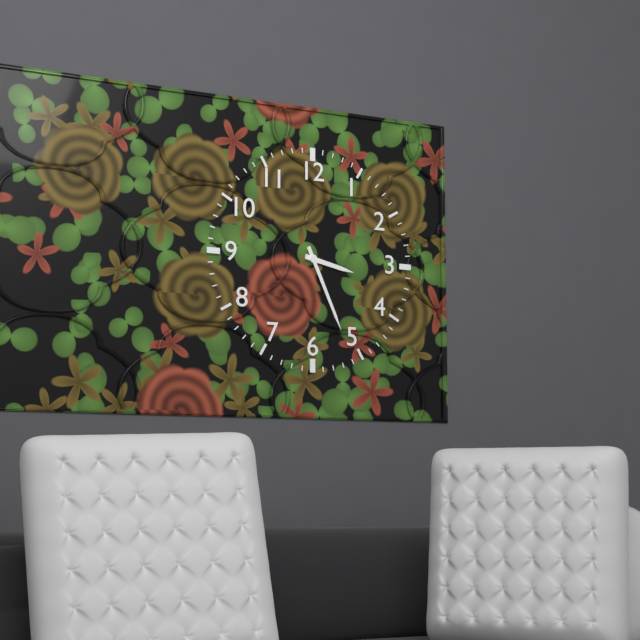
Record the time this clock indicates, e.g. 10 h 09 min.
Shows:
3 h 26 min
